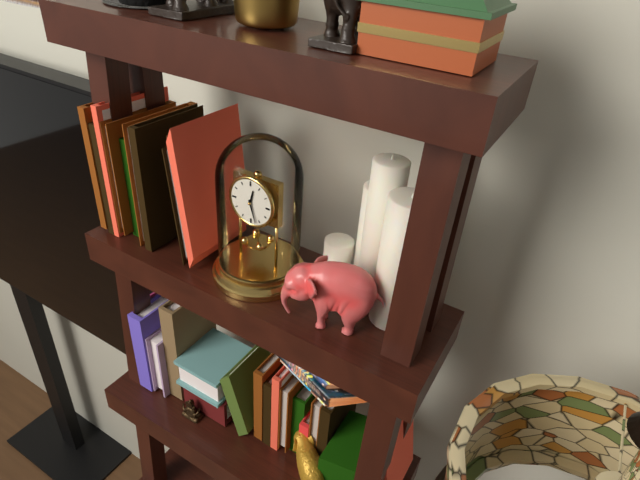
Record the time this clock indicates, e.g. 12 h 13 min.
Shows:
12 h 27 min
